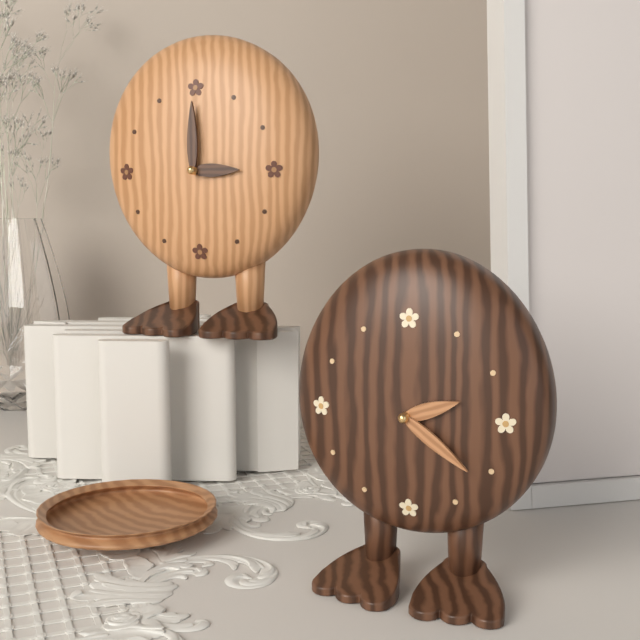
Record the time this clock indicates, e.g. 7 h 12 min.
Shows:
2 h 21 min
